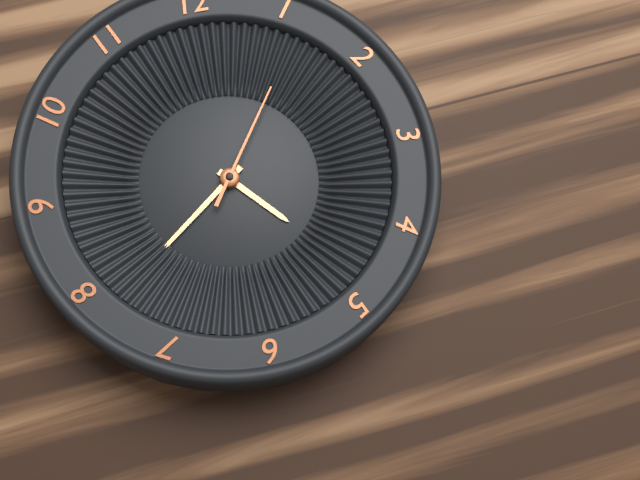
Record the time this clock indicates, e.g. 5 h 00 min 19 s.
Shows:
4 h 39 min 06 s
